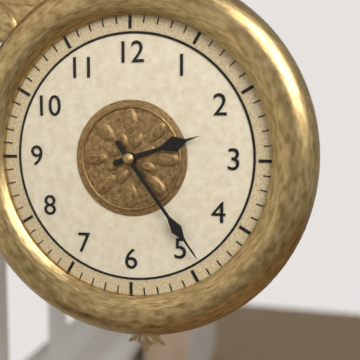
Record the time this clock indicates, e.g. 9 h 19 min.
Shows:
2 h 24 min
